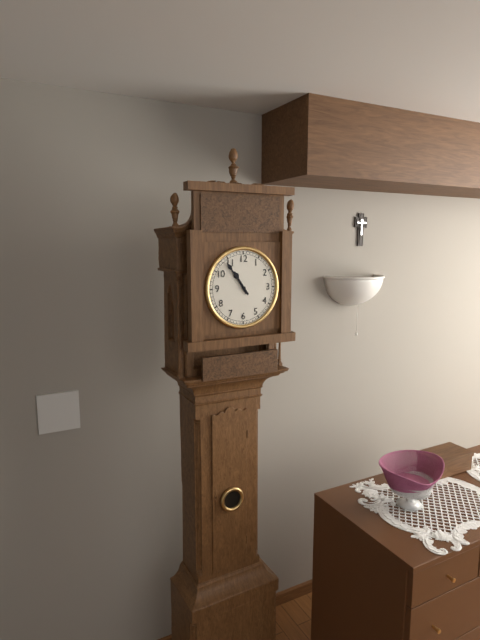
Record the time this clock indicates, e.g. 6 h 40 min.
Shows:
10 h 54 min
